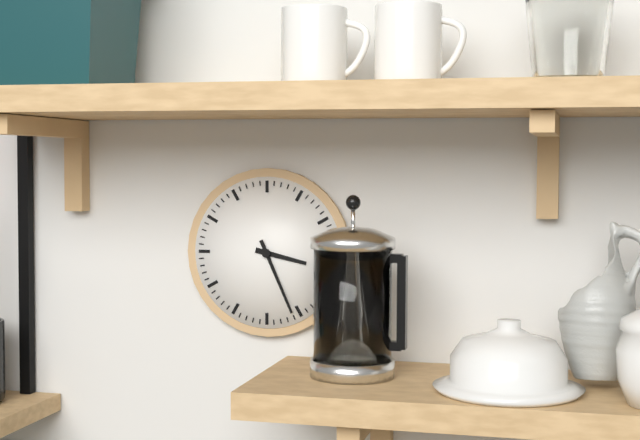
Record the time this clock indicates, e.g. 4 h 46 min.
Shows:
3 h 26 min
